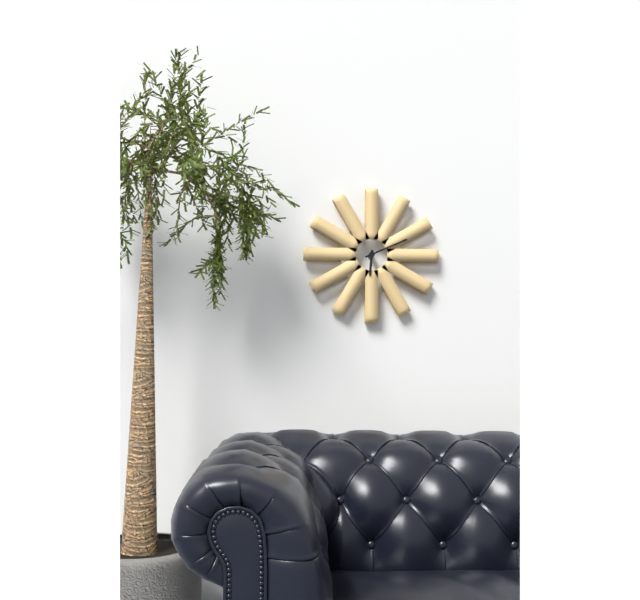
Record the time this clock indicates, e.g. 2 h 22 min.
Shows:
6 h 11 min
